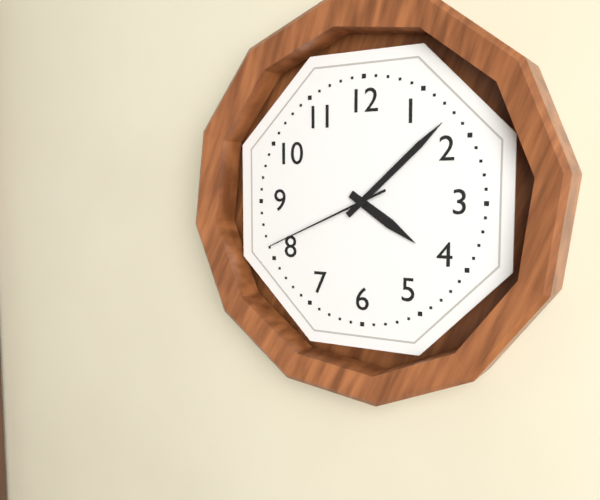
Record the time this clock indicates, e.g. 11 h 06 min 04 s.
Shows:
4 h 08 min 41 s
